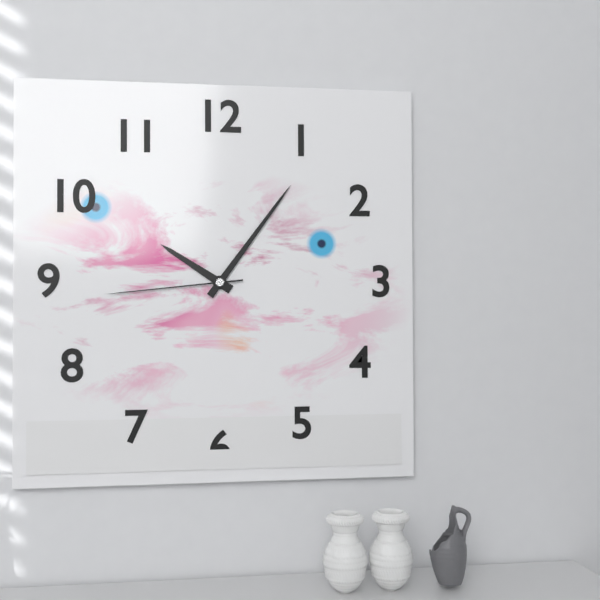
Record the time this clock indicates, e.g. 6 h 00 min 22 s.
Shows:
10 h 06 min 44 s
